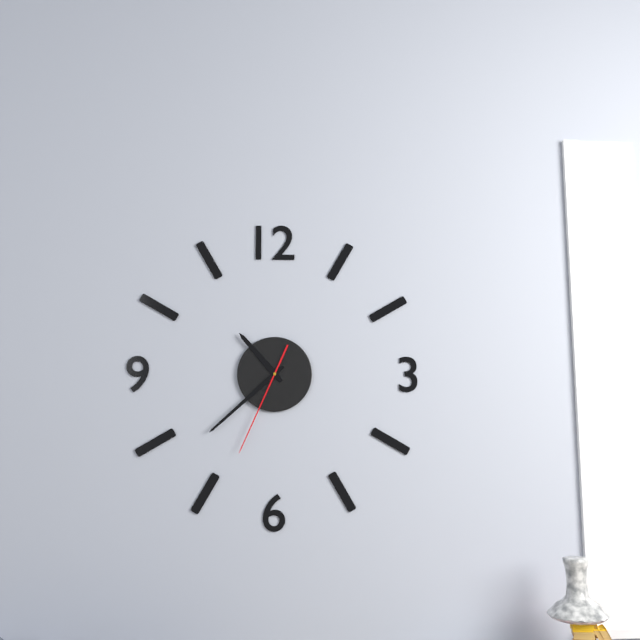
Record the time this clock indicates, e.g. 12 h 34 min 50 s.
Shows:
10 h 38 min 34 s
